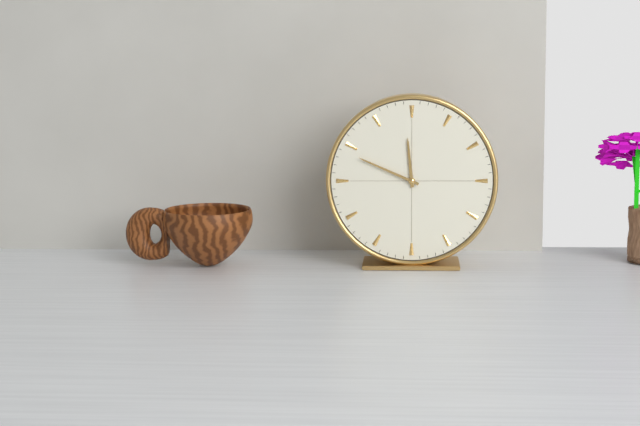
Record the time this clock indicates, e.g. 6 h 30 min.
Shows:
11 h 49 min
